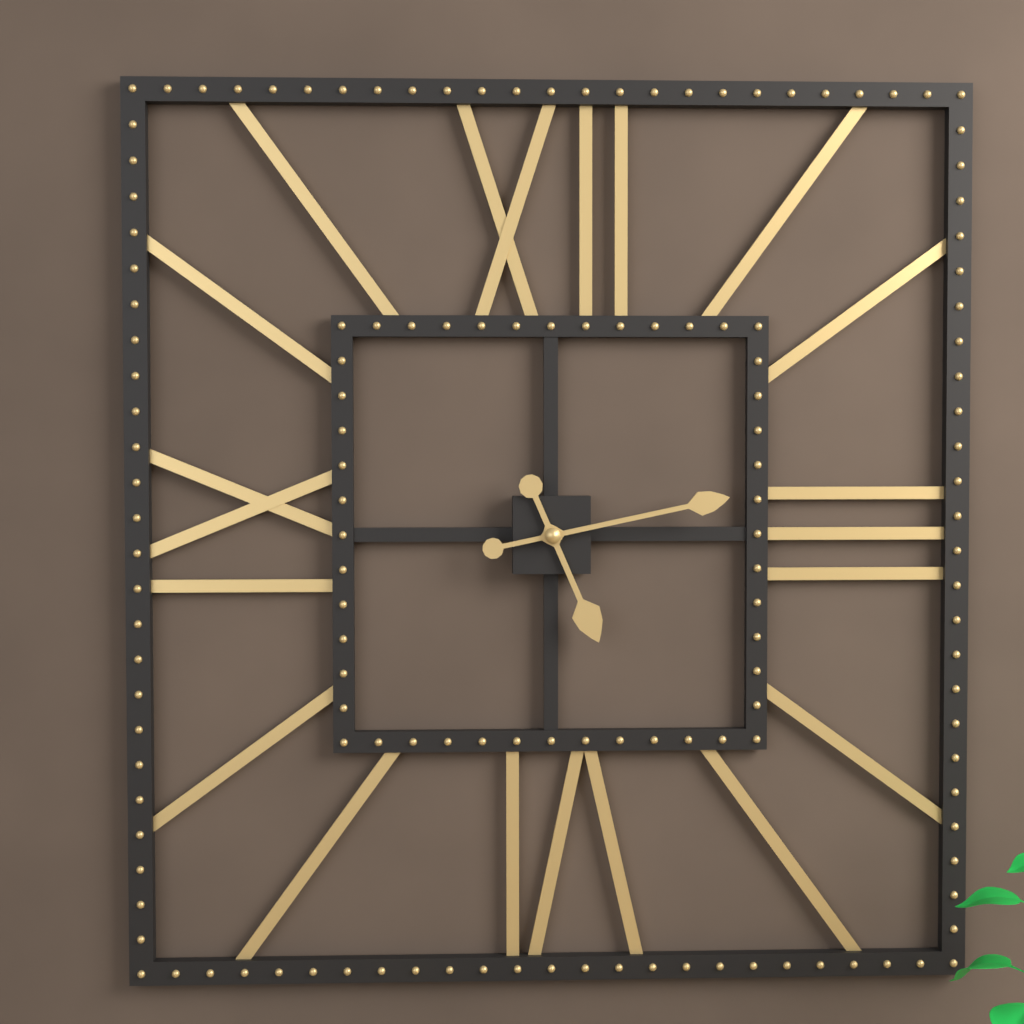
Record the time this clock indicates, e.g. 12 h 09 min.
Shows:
5 h 13 min
